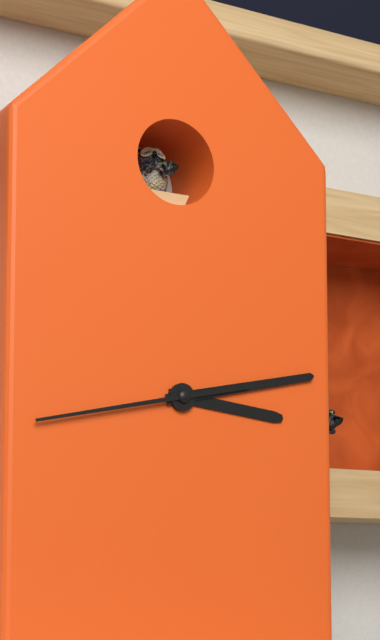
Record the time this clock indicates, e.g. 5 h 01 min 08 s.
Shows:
3 h 13 min 43 s
